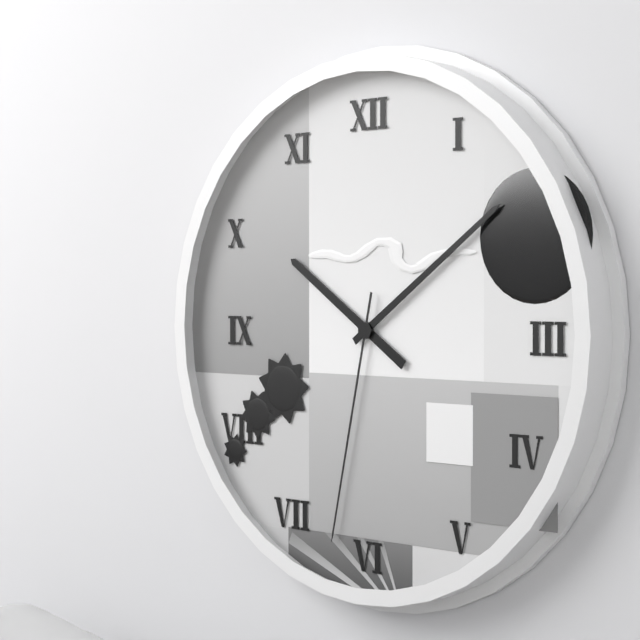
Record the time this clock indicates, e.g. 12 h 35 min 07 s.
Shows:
10 h 09 min 32 s
